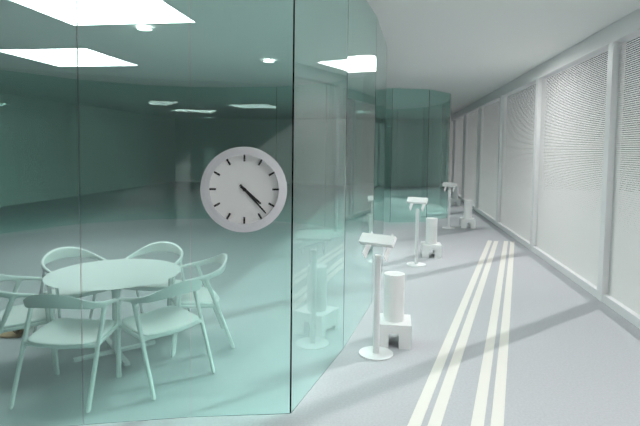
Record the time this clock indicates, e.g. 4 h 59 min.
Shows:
4 h 23 min
